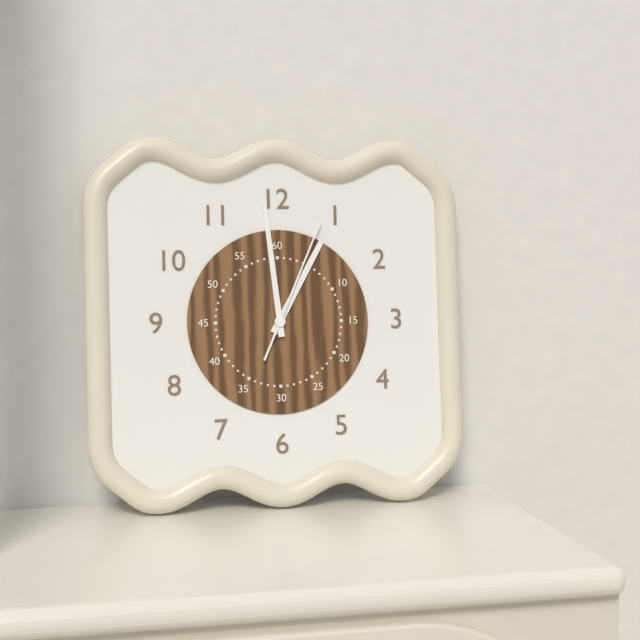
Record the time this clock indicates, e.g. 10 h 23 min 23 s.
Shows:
12 h 59 min 04 s
